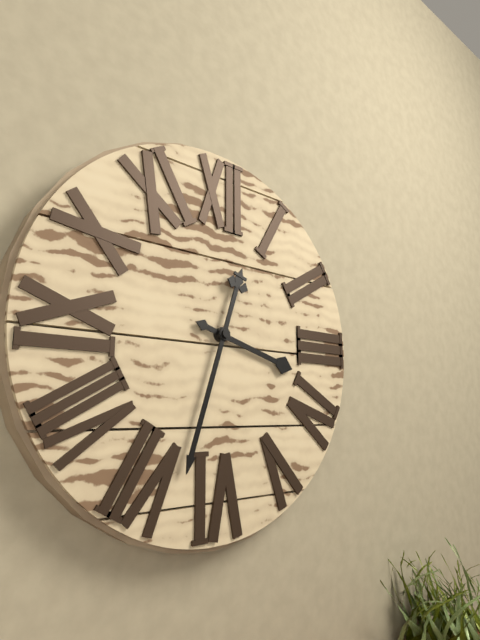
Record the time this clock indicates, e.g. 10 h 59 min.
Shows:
3 h 33 min
